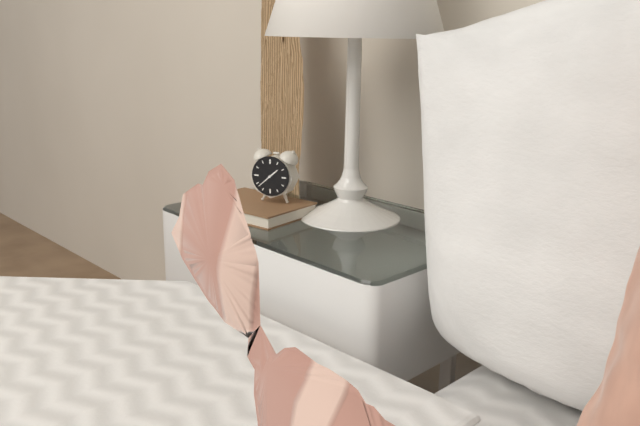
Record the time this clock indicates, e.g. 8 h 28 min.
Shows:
1 h 38 min
